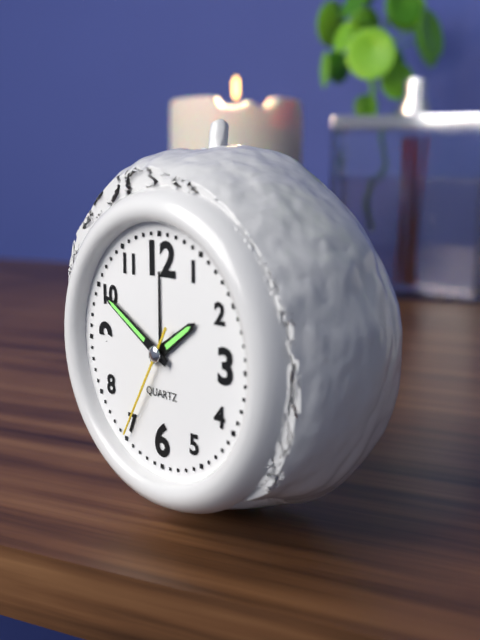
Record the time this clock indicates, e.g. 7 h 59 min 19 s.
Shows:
1 h 50 min 35 s
